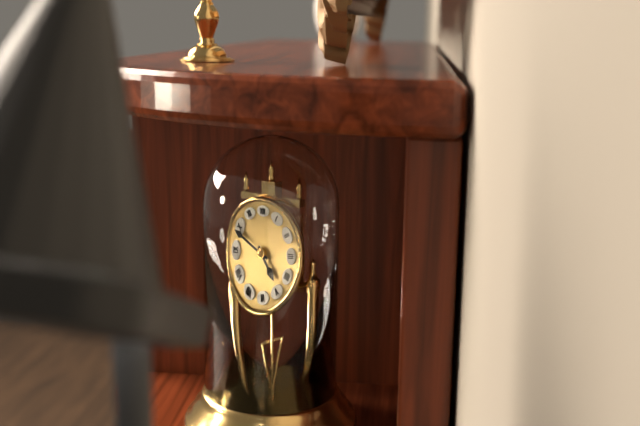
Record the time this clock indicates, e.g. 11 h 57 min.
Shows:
4 h 49 min
